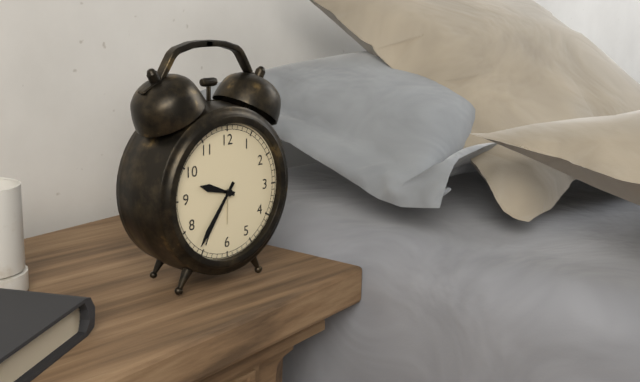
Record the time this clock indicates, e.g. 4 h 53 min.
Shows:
9 h 36 min
